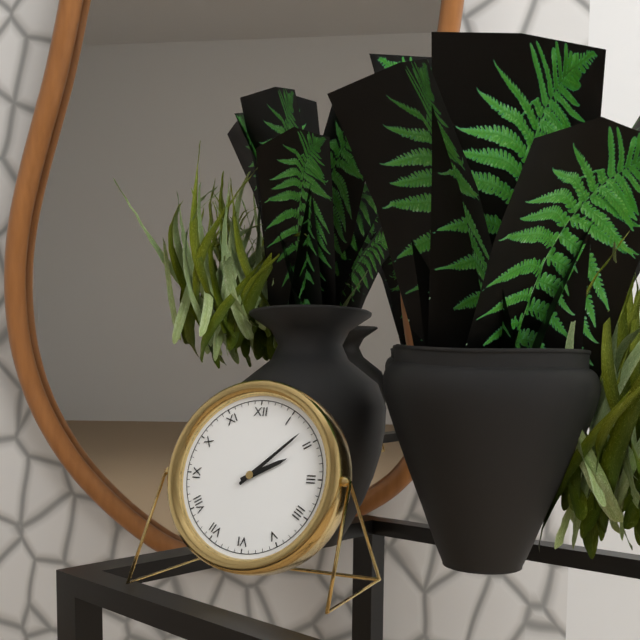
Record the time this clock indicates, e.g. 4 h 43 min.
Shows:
2 h 08 min
